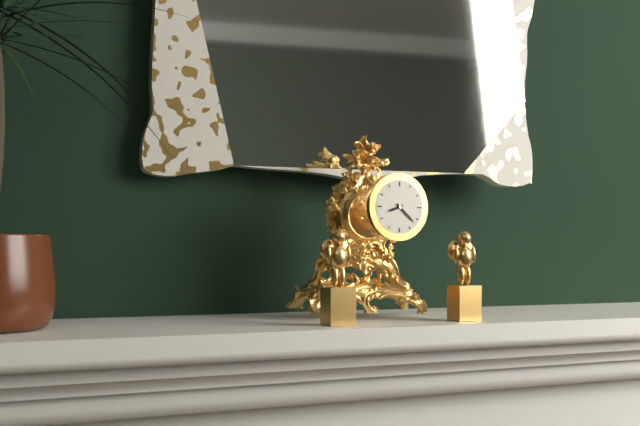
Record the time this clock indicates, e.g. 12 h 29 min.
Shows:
8 h 22 min
